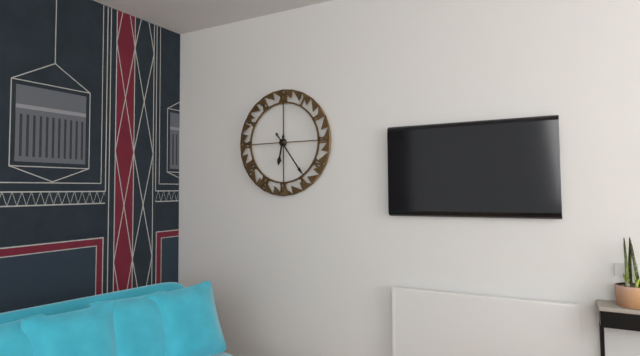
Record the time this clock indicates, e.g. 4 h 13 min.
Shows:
6 h 24 min
